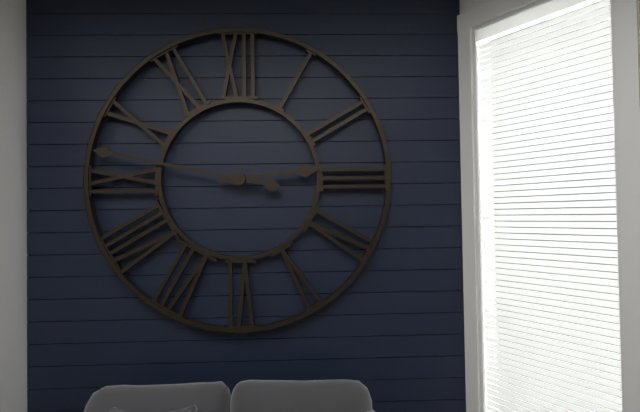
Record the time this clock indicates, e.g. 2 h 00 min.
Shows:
2 h 47 min
